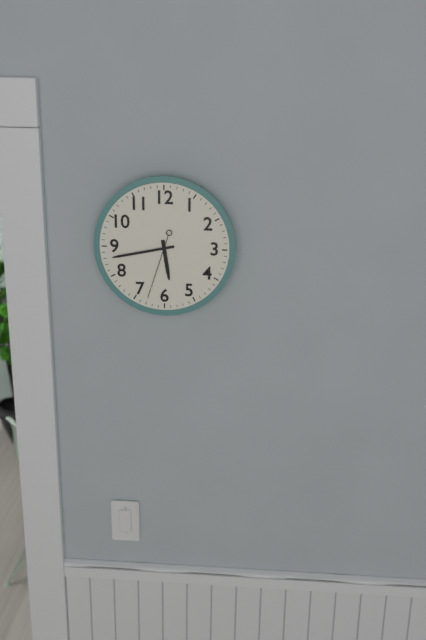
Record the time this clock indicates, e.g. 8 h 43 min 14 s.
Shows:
5 h 43 min 33 s
